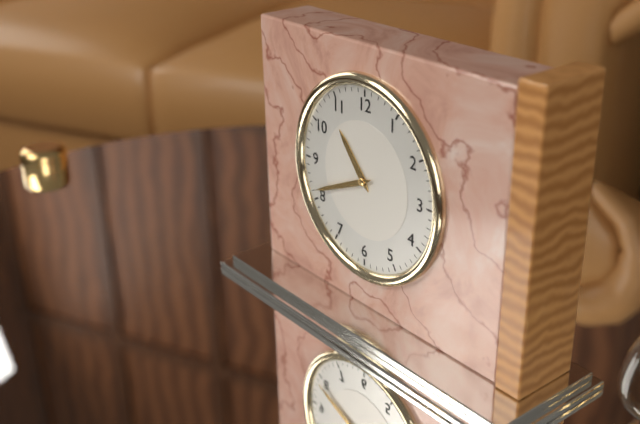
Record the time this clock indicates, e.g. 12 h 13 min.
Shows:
10 h 41 min
